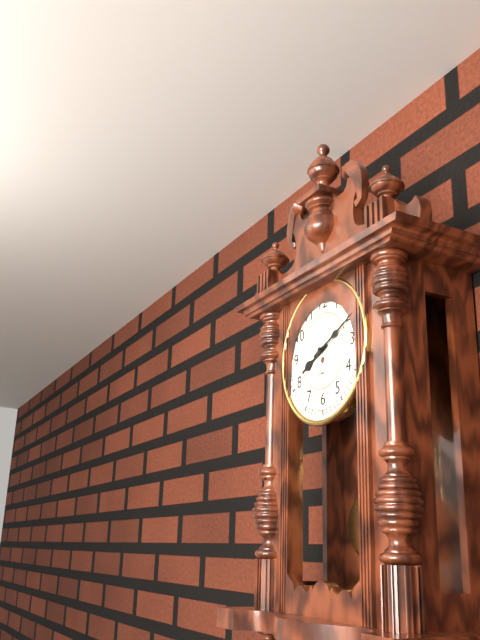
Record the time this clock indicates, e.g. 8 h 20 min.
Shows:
8 h 11 min
